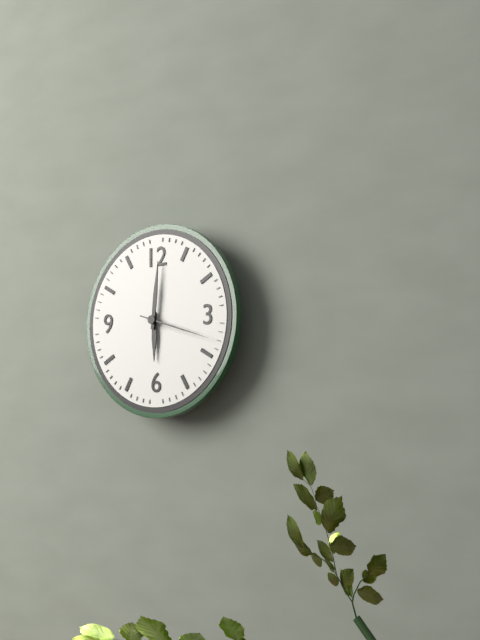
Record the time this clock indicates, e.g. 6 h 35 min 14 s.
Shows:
6 h 01 min 18 s
